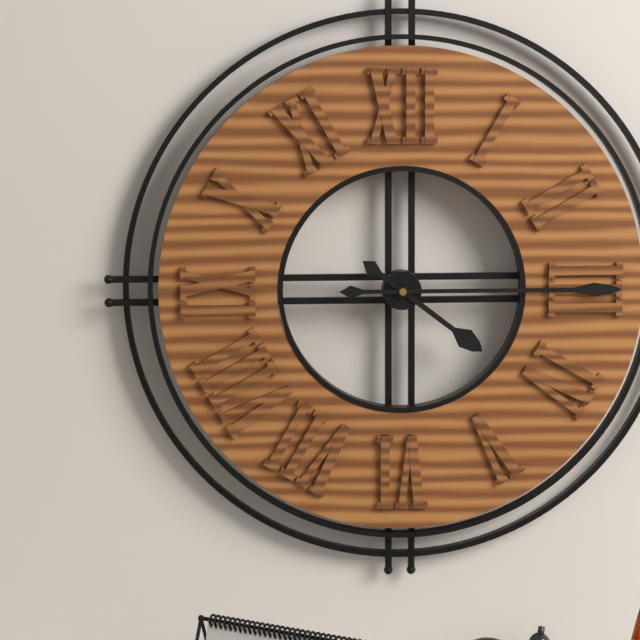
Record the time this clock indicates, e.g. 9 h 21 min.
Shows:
4 h 15 min
